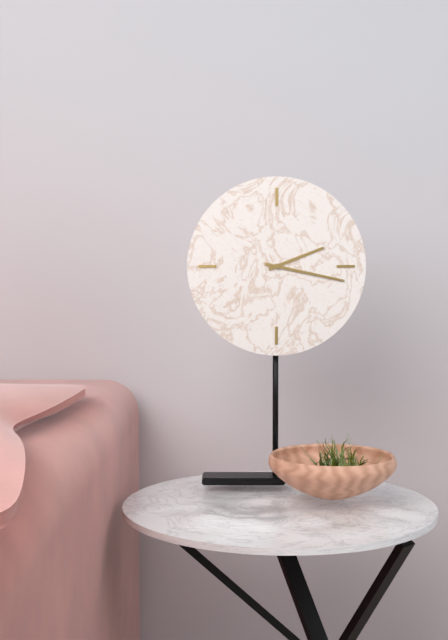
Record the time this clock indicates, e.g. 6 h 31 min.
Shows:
2 h 17 min
